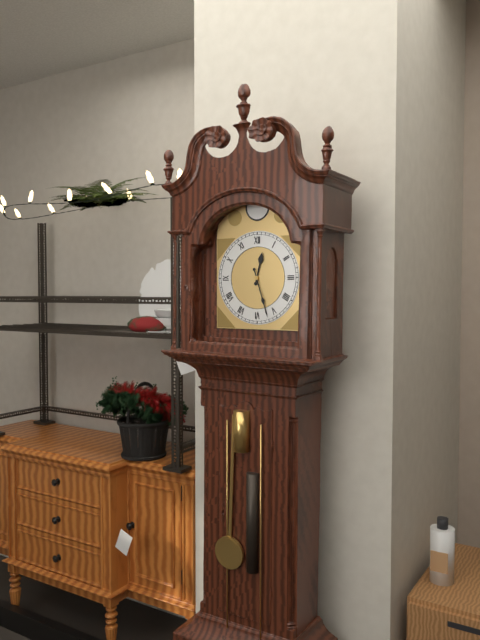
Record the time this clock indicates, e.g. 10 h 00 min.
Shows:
12 h 27 min
